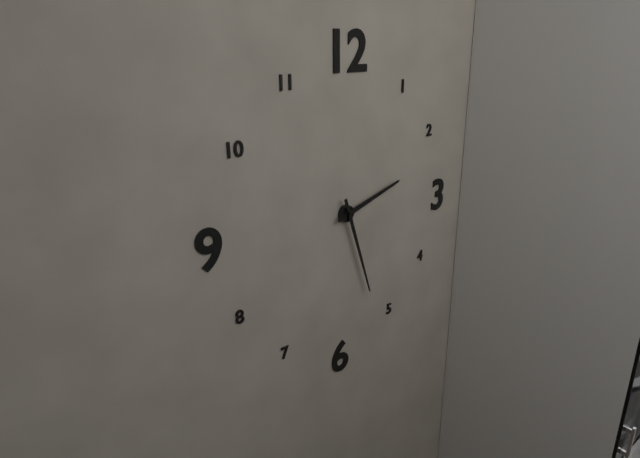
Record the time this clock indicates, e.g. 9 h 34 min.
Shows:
2 h 27 min
